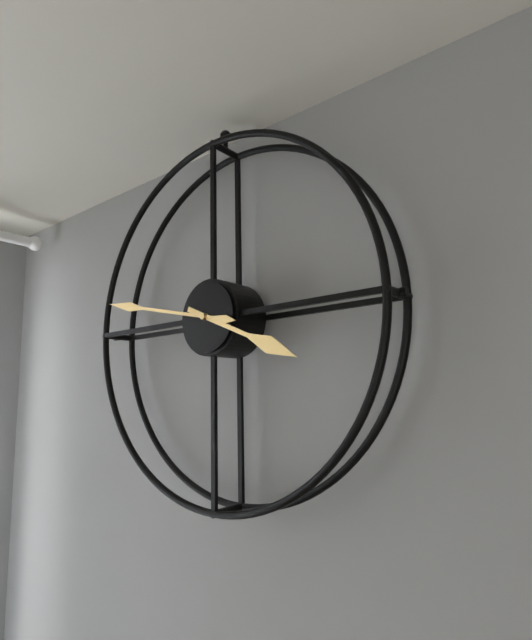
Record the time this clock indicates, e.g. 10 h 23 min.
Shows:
3 h 47 min
